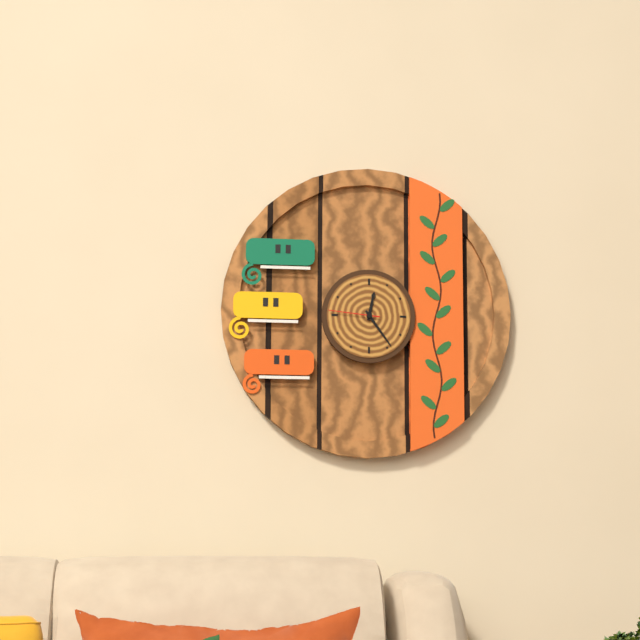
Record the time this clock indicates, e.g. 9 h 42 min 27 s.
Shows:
12 h 24 min 46 s
